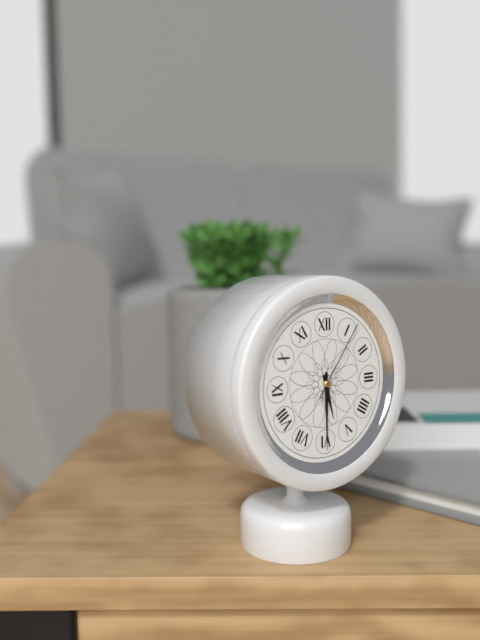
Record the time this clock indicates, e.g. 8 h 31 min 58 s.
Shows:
5 h 30 min 06 s
